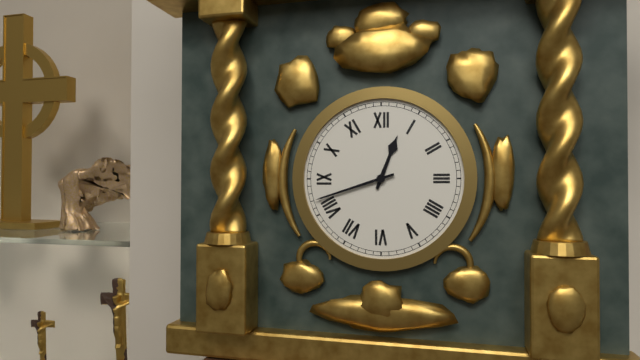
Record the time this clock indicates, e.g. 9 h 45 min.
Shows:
12 h 42 min
